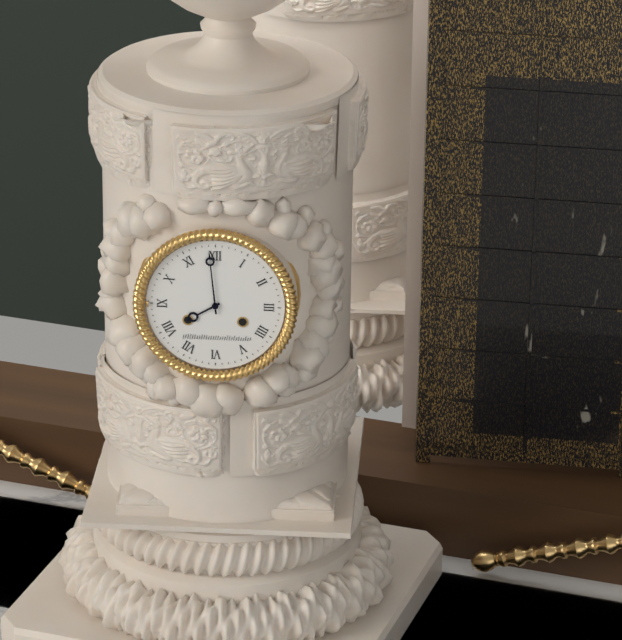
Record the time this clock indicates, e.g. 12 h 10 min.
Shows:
7 h 59 min
